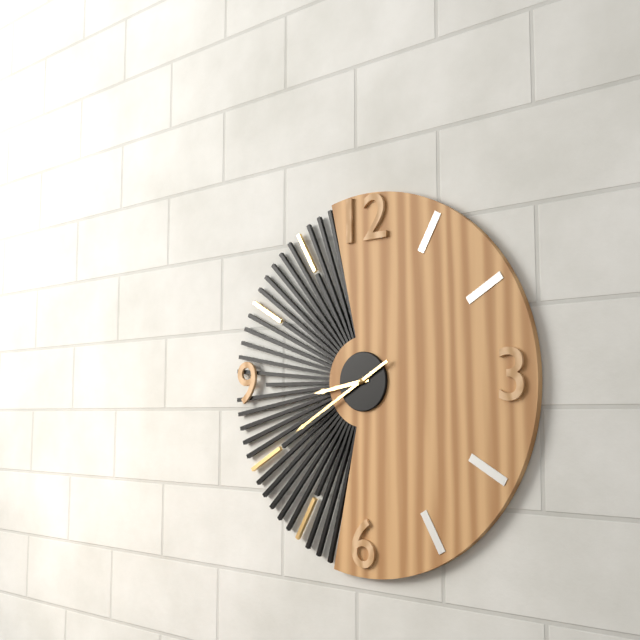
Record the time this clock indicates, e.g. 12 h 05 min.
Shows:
8 h 40 min
